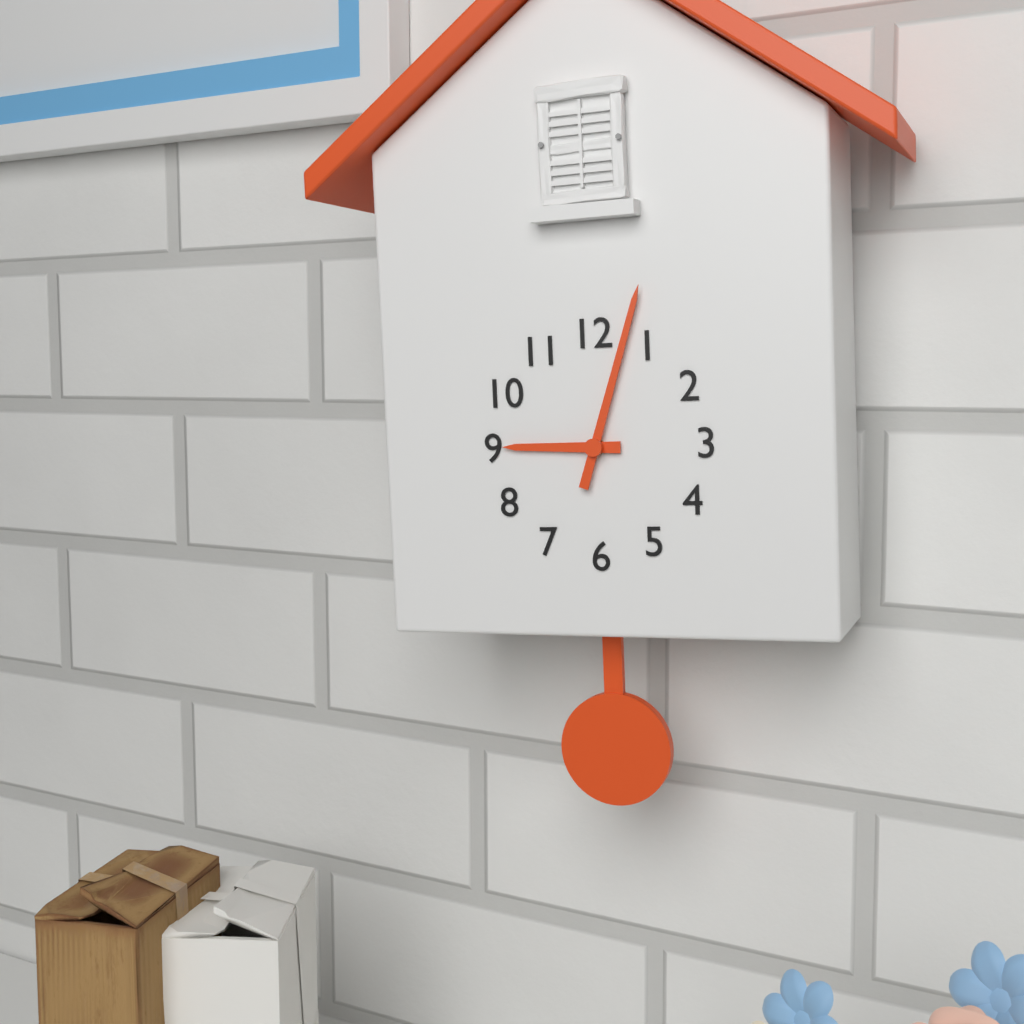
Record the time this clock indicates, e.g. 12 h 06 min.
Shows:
9 h 03 min
